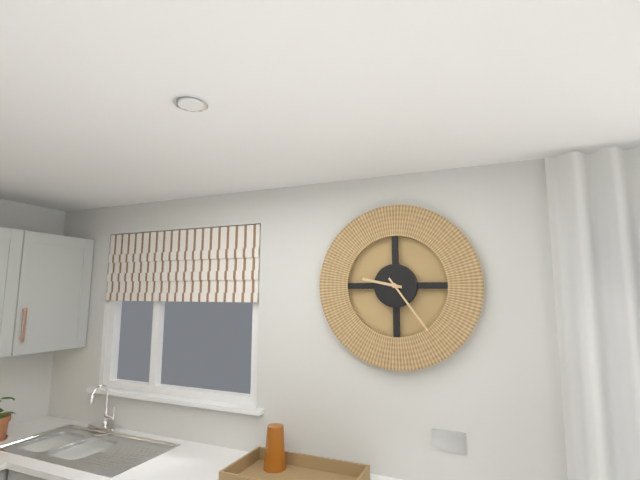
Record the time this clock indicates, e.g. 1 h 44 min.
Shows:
9 h 24 min
